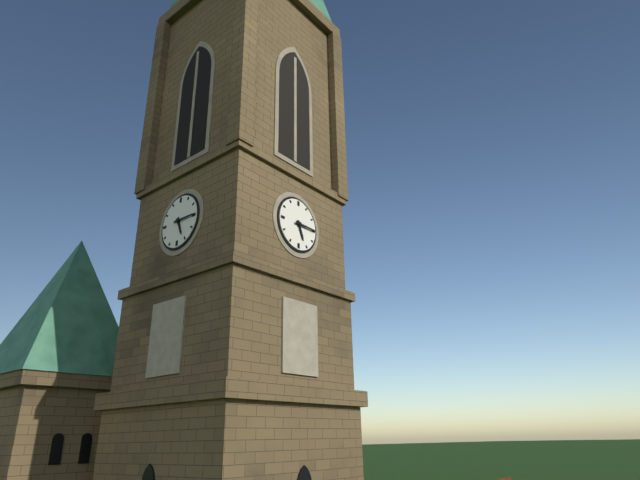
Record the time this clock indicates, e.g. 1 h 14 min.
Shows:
5 h 15 min
